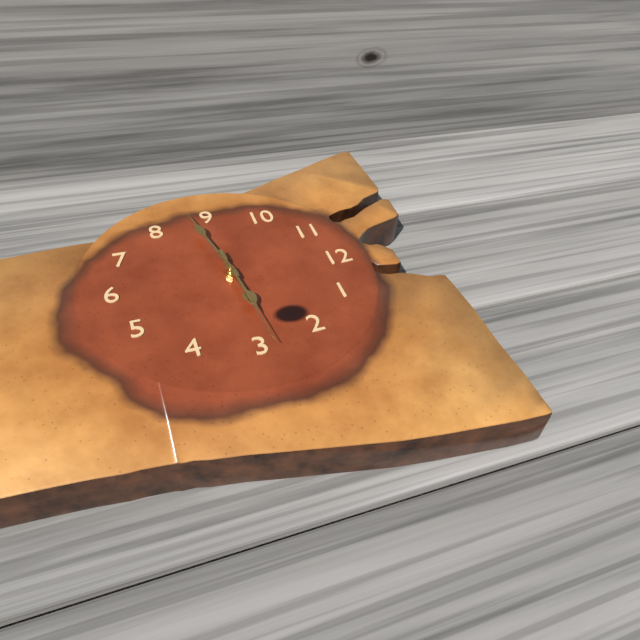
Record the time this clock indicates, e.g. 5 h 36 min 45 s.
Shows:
2 h 43 min 14 s
